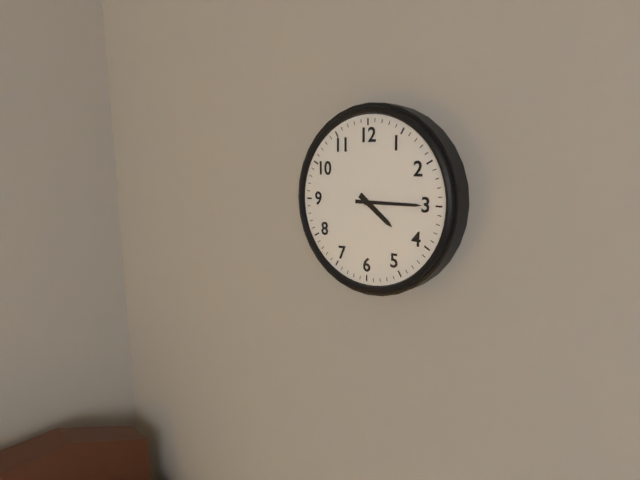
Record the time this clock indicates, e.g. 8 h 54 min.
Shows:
4 h 15 min
